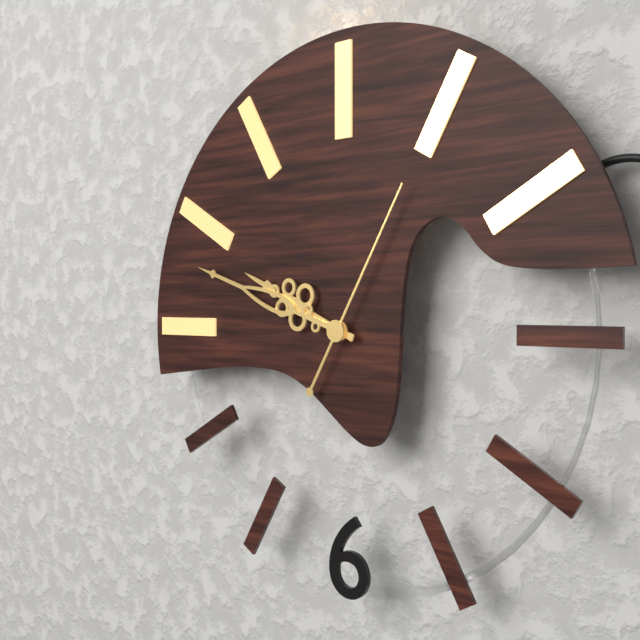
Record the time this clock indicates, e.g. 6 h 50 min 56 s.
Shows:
9 h 48 min 05 s
